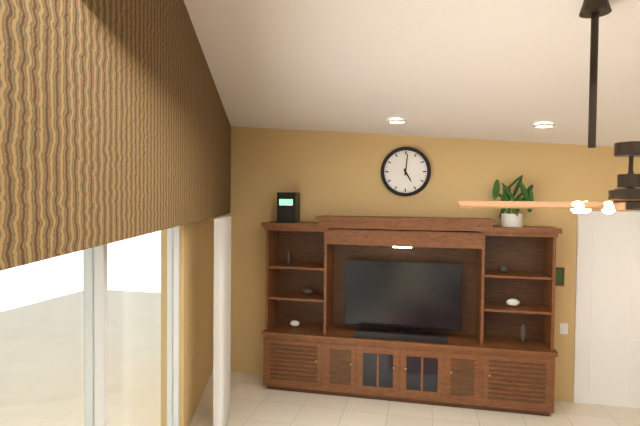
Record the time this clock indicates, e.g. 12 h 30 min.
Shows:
5 h 01 min
